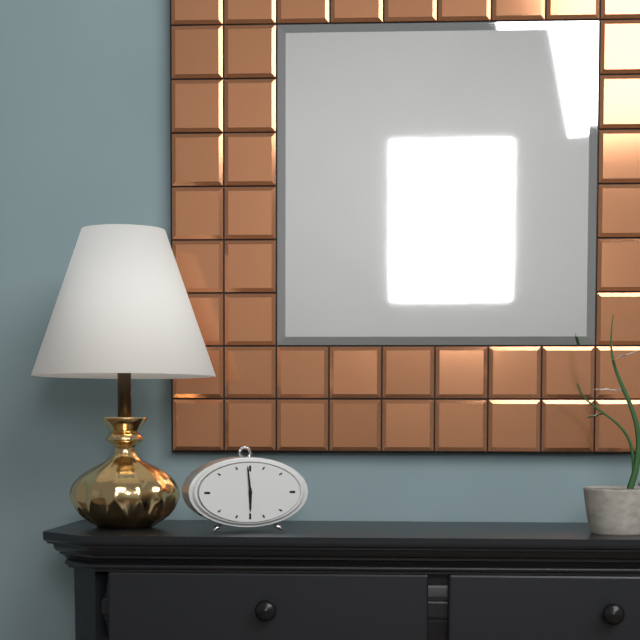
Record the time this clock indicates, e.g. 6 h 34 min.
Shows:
5 h 59 min
